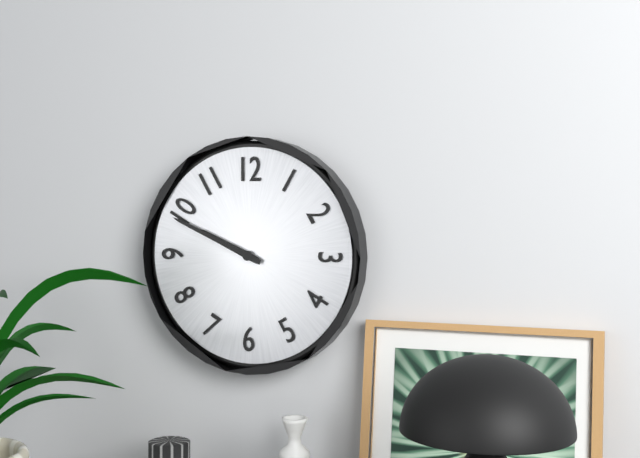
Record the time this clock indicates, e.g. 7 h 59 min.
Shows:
9 h 49 min
